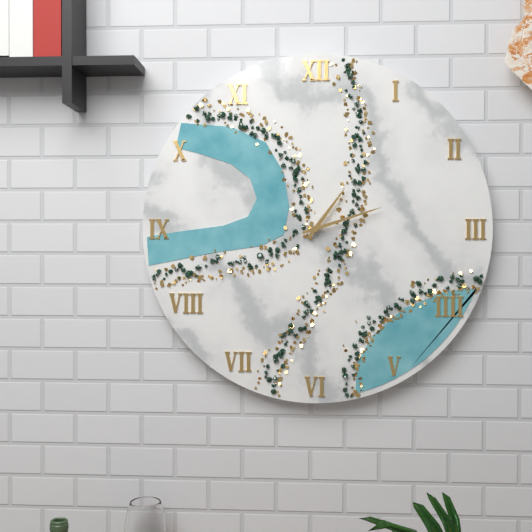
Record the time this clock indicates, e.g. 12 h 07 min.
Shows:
1 h 12 min
